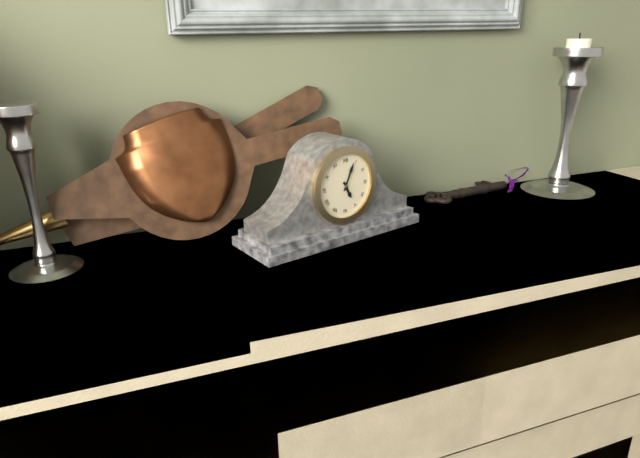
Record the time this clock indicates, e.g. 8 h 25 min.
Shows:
5 h 04 min
